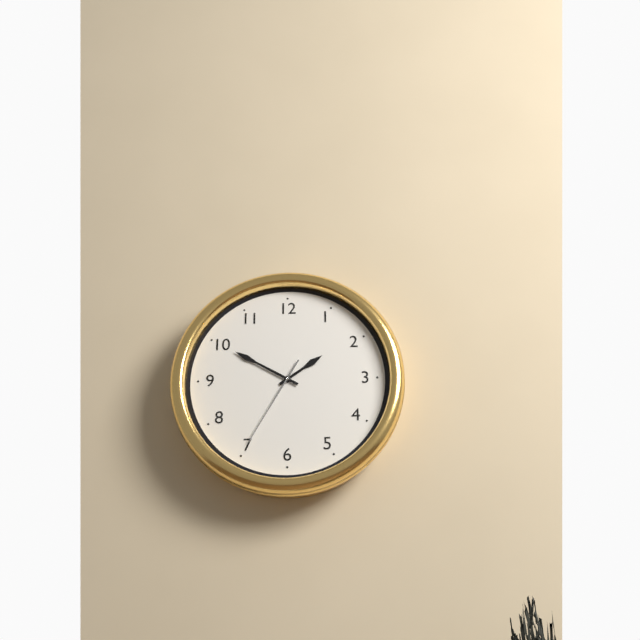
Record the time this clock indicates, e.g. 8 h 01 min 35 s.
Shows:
1 h 50 min 35 s
